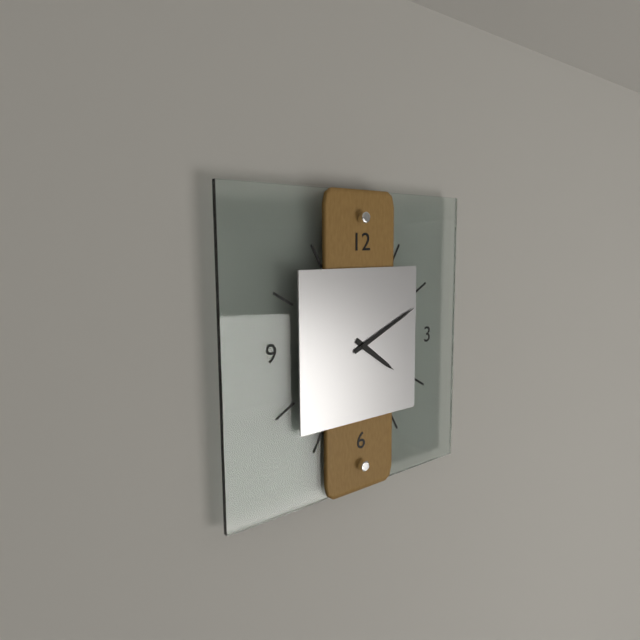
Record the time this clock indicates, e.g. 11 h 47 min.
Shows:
4 h 11 min
